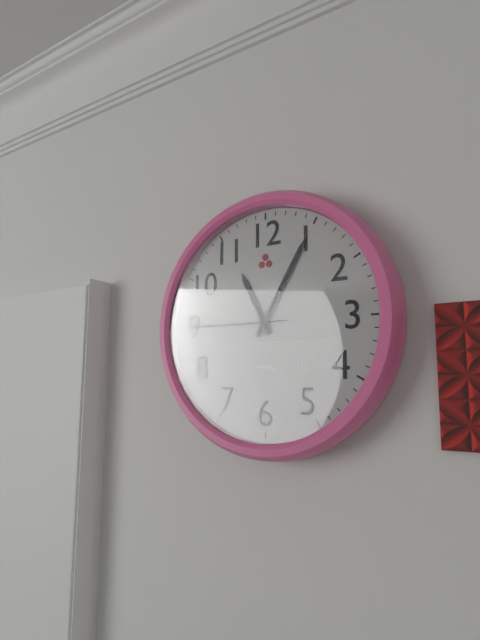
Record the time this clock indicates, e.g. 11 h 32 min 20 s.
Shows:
11 h 05 min 45 s
